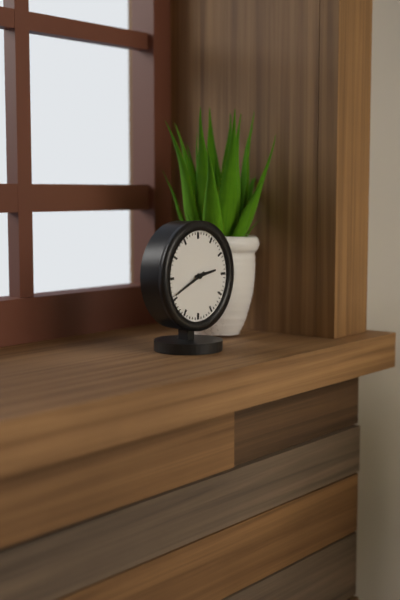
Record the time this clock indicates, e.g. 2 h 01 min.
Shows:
2 h 41 min
